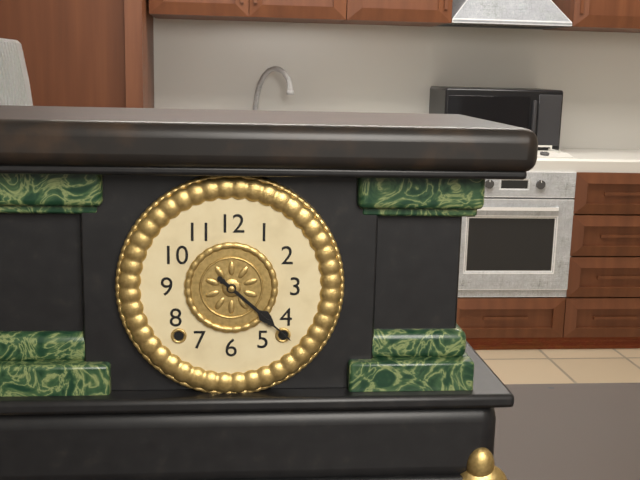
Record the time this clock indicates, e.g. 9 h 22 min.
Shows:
4 h 22 min
